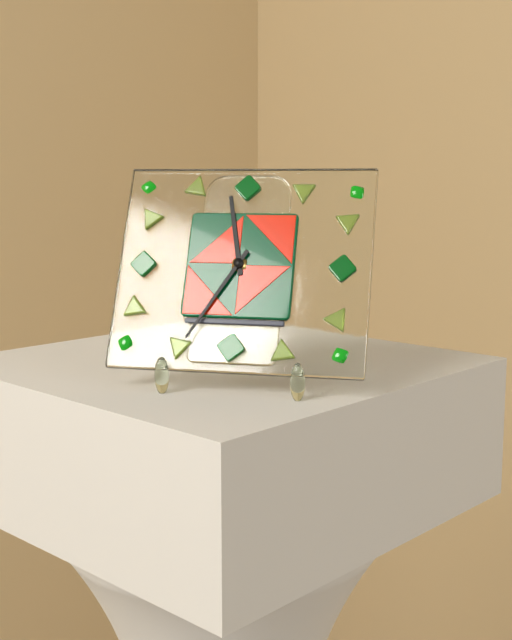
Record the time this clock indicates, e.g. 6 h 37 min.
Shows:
11 h 35 min
